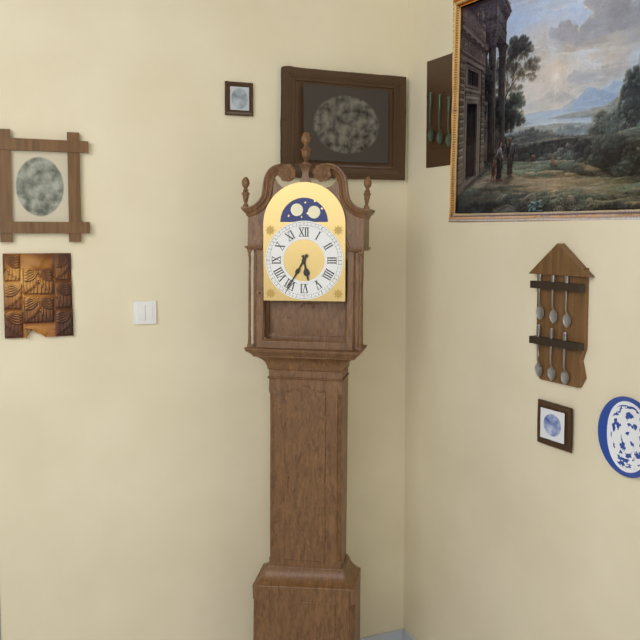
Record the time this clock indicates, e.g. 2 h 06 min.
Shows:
5 h 35 min
